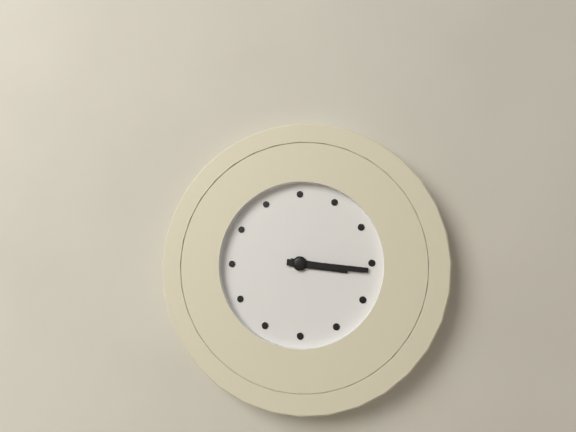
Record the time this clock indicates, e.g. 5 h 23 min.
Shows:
3 h 16 min
